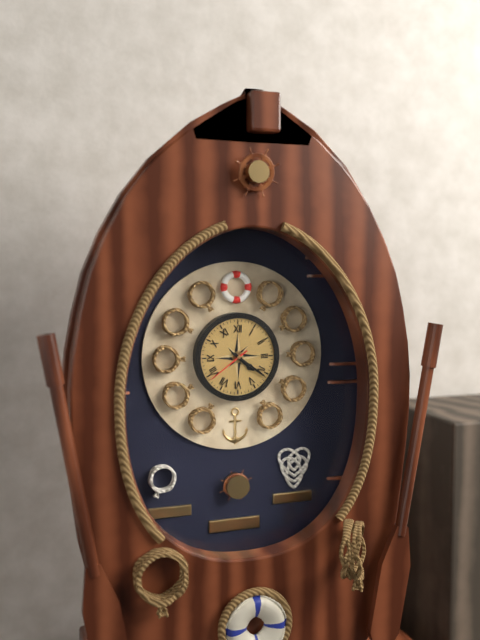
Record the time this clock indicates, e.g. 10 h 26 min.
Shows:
4 h 21 min
